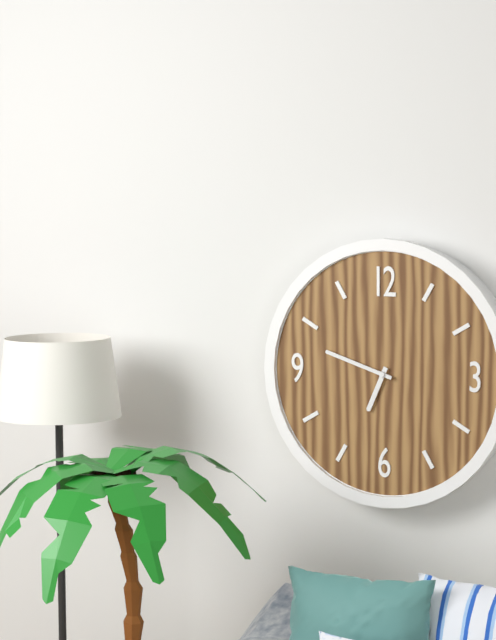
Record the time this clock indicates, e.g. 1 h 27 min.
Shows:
6 h 48 min
